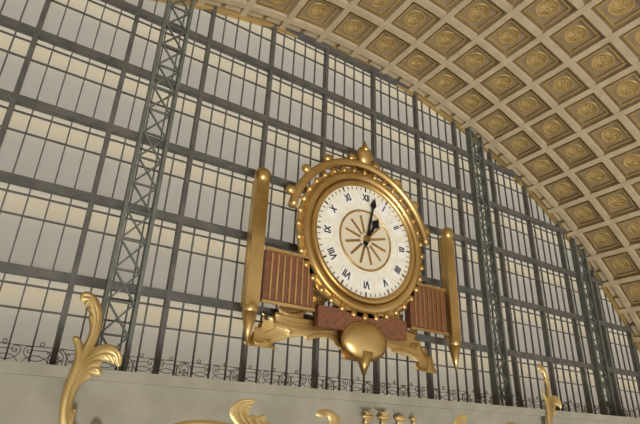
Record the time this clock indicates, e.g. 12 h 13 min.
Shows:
1 h 02 min
